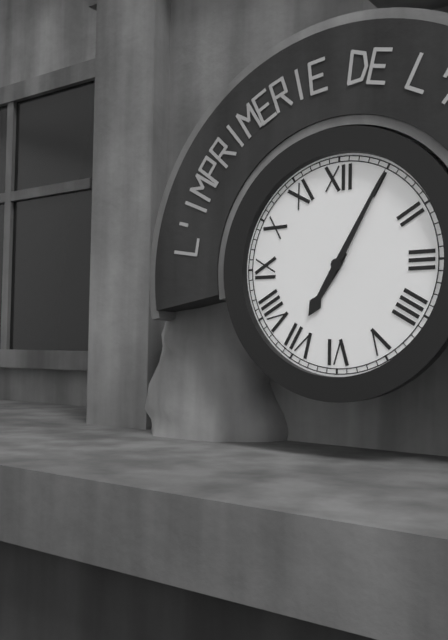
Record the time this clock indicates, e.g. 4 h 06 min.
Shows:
7 h 05 min
